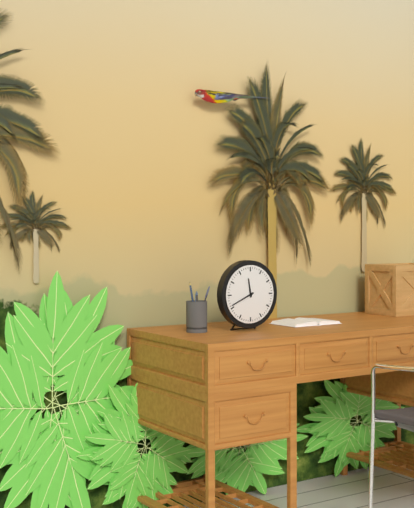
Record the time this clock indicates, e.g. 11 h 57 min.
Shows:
11 h 41 min
